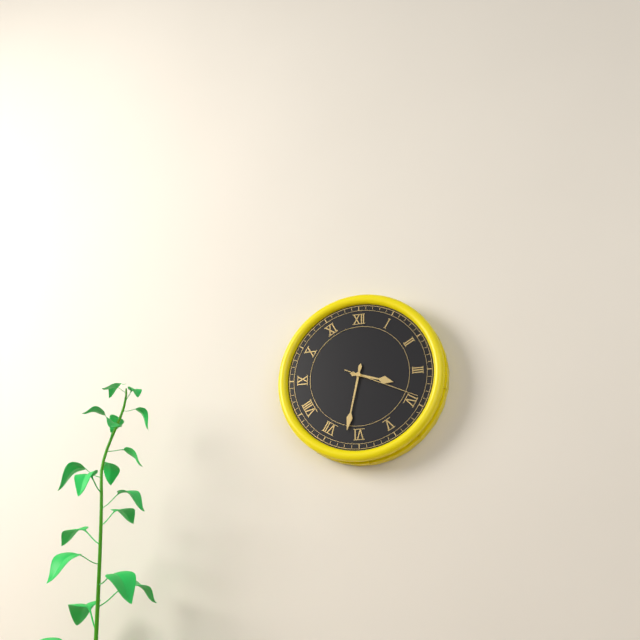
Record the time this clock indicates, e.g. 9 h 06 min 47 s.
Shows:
3 h 32 min 19 s
